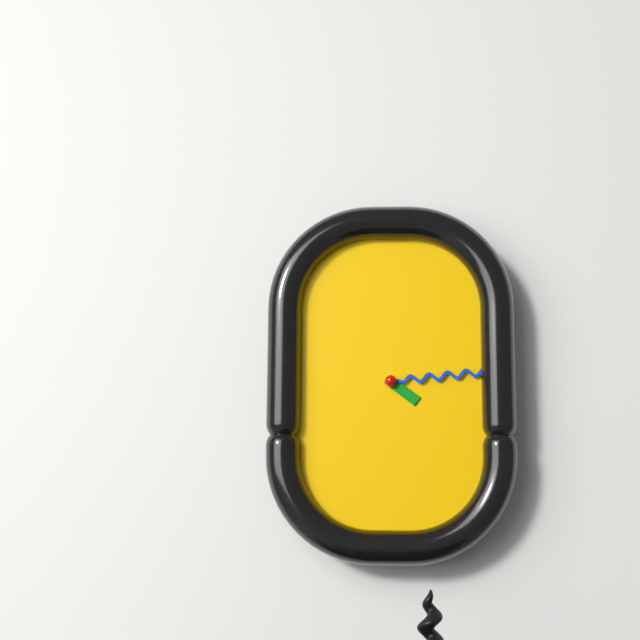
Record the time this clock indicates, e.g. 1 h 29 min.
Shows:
4 h 14 min
